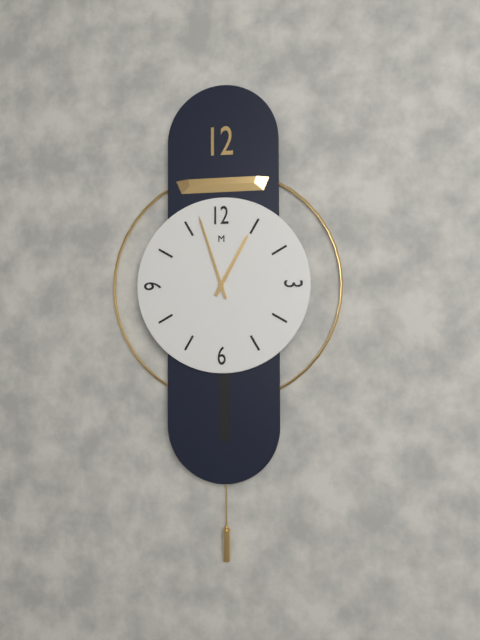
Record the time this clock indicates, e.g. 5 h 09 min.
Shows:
12 h 57 min
